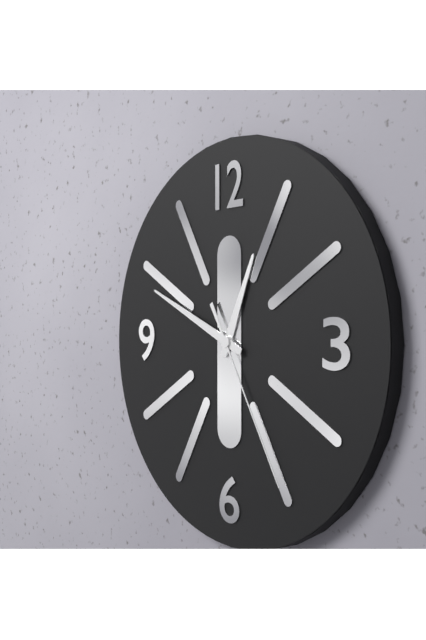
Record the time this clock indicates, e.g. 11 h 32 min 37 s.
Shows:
12 h 49 min 25 s
